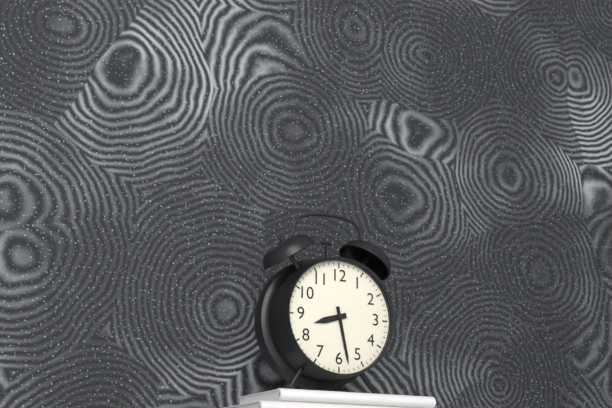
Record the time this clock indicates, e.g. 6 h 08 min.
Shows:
8 h 28 min
